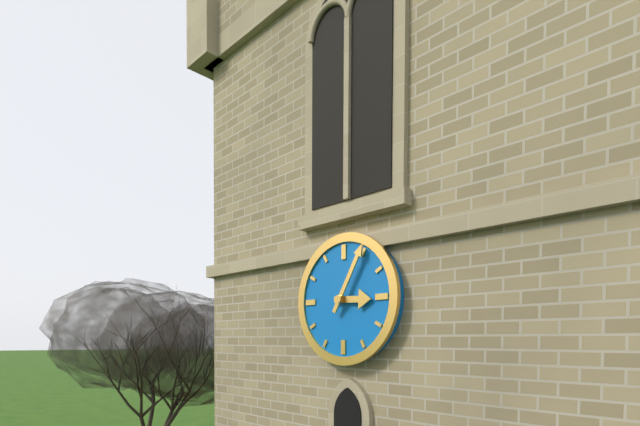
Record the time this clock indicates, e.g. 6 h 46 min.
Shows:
3 h 05 min
